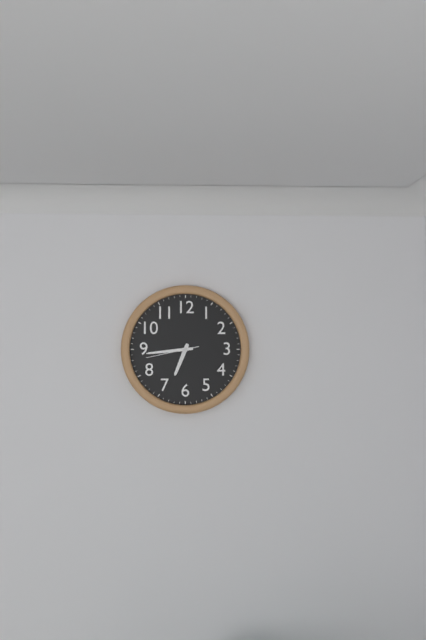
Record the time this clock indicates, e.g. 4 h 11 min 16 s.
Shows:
6 h 44 min 43 s
